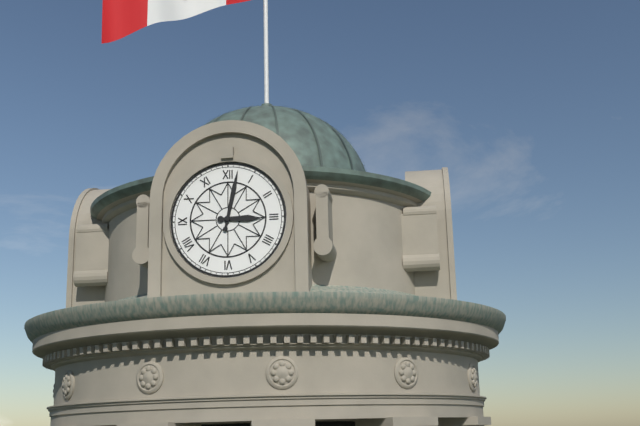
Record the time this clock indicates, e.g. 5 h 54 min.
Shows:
3 h 02 min
